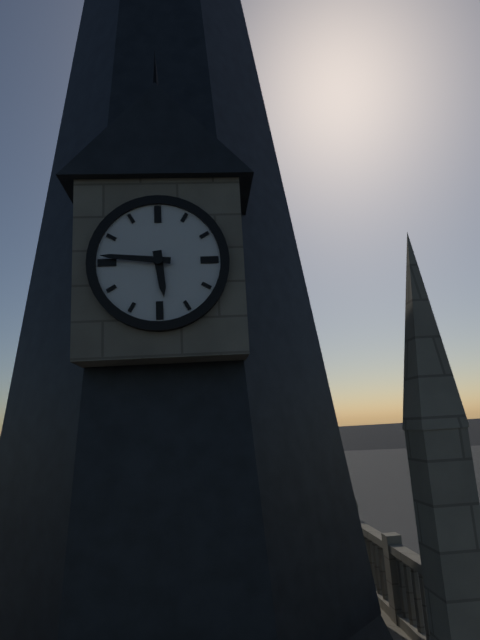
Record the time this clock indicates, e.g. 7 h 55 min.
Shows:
5 h 46 min
